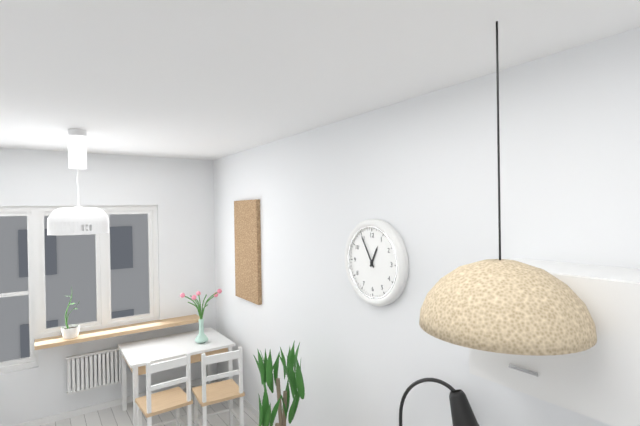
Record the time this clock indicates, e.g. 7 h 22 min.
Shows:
12 h 55 min
